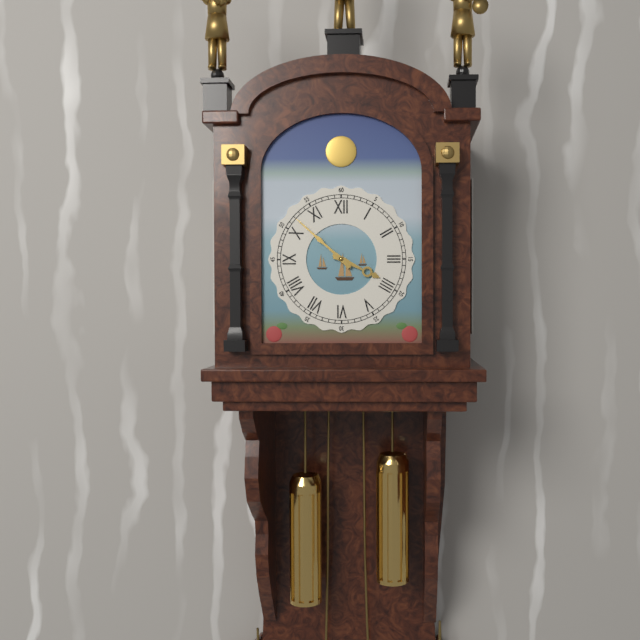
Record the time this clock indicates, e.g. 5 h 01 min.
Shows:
3 h 52 min
